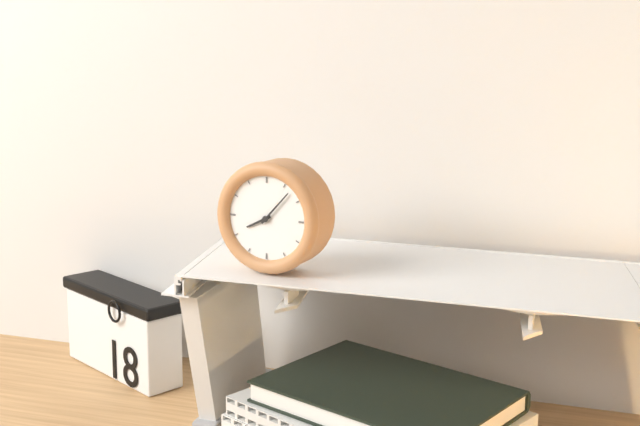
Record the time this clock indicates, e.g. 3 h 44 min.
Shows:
8 h 07 min
